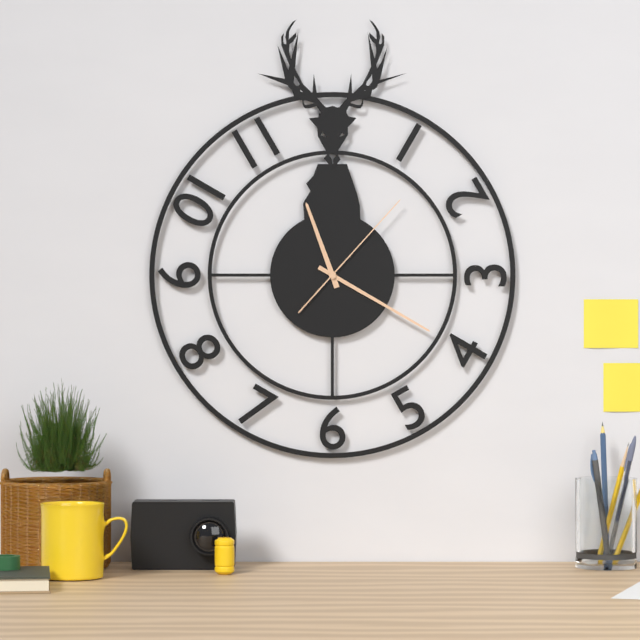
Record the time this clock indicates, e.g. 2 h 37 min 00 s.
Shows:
11 h 20 min 07 s
